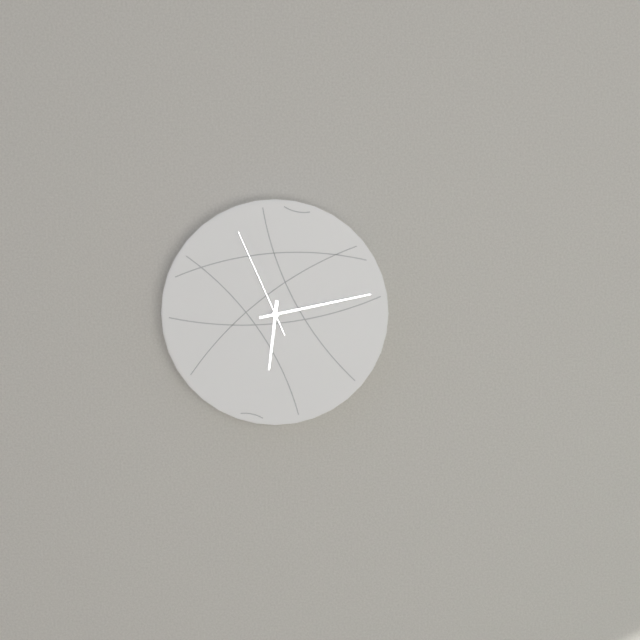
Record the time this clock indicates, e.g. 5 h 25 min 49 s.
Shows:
6 h 13 min 56 s
